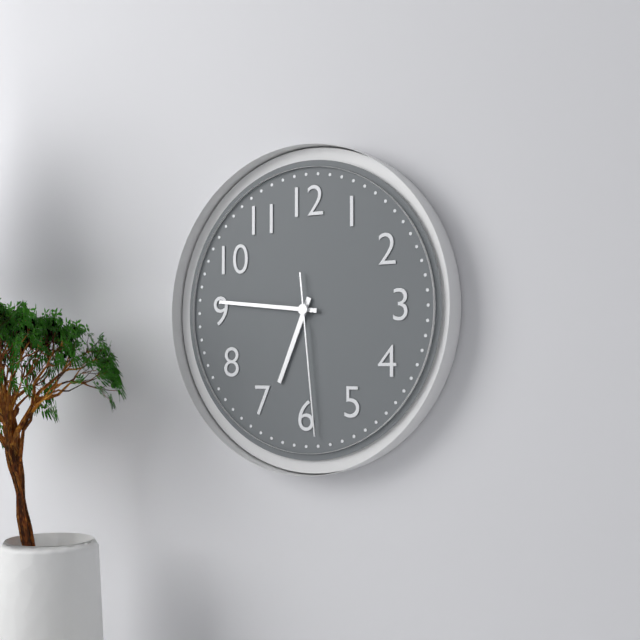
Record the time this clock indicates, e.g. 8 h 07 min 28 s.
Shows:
6 h 46 min 29 s
